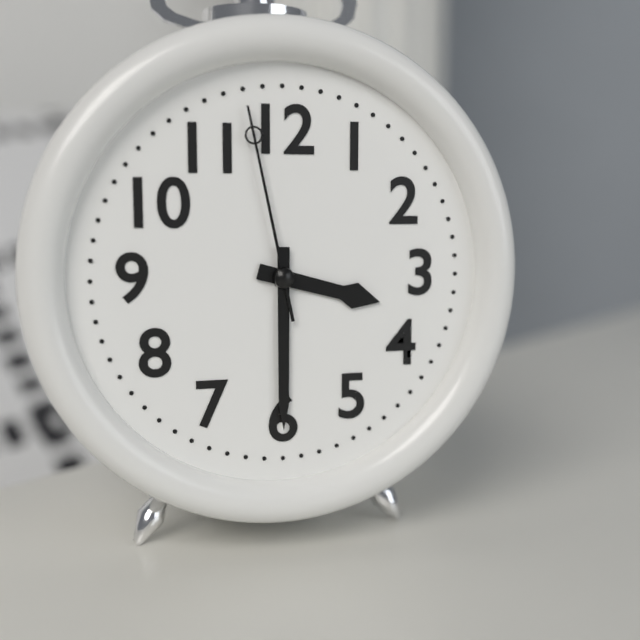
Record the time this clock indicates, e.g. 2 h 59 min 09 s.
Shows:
3 h 30 min 58 s
